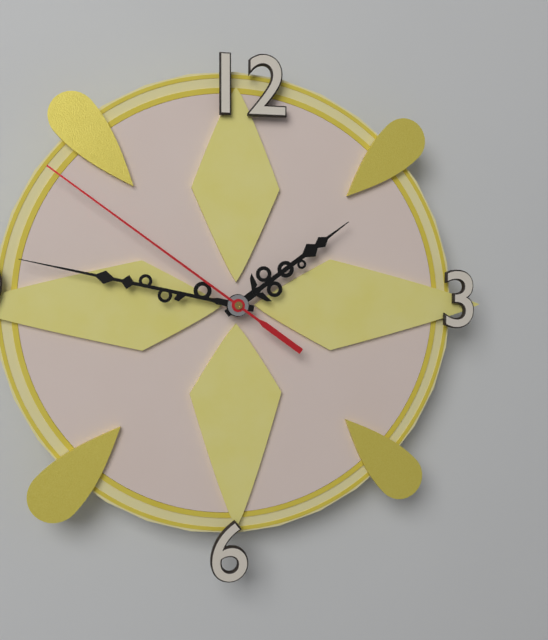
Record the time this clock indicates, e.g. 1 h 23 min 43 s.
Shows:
1 h 47 min 51 s
